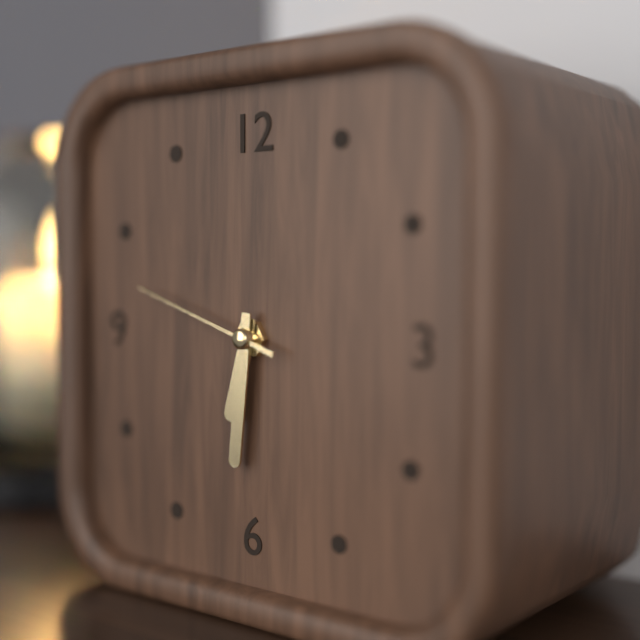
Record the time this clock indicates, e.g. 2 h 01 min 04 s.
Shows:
6 h 31 min 48 s
